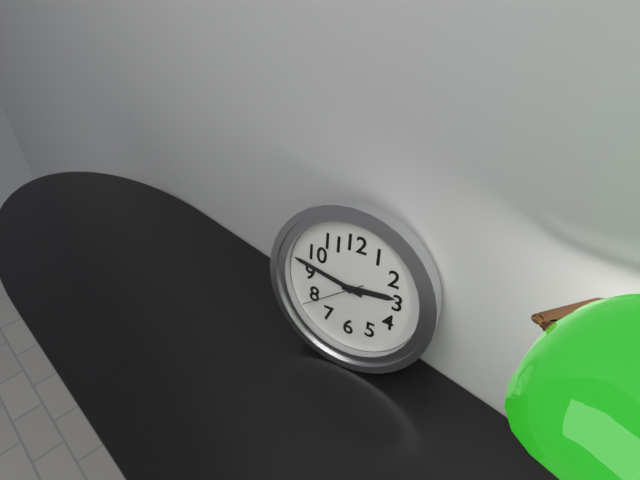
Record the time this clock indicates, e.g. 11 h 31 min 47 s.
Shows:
2 h 47 min 39 s
